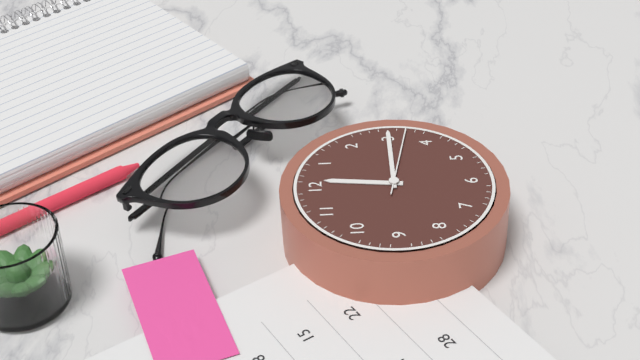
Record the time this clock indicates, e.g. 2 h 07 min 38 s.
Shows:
12 h 15 min 17 s
